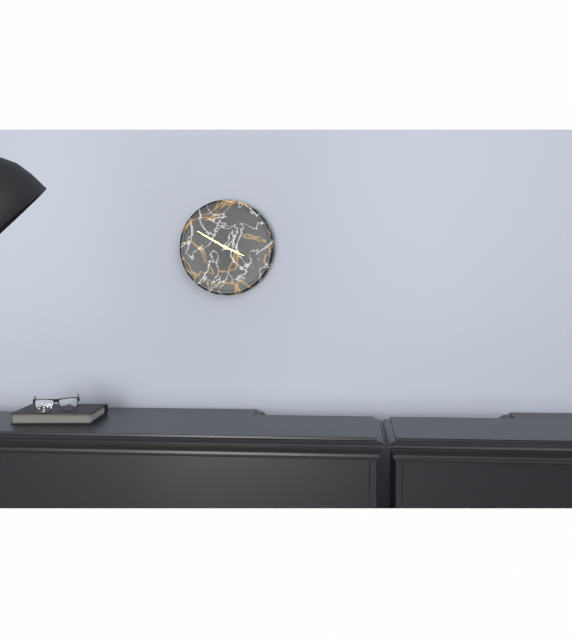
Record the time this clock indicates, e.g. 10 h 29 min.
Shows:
3 h 50 min
